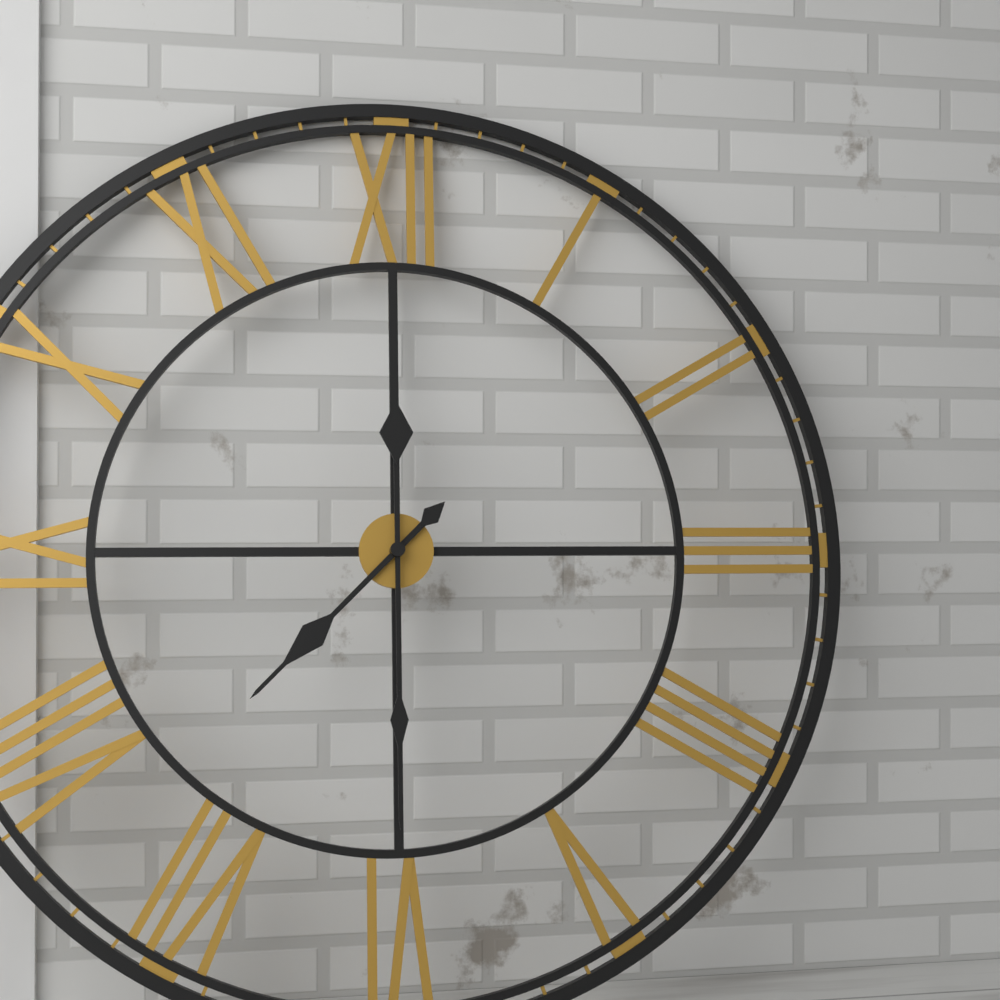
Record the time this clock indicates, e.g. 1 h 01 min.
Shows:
7 h 30 min
